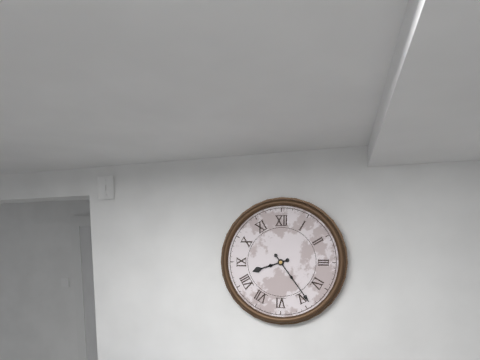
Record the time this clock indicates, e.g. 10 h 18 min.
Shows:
8 h 24 min
